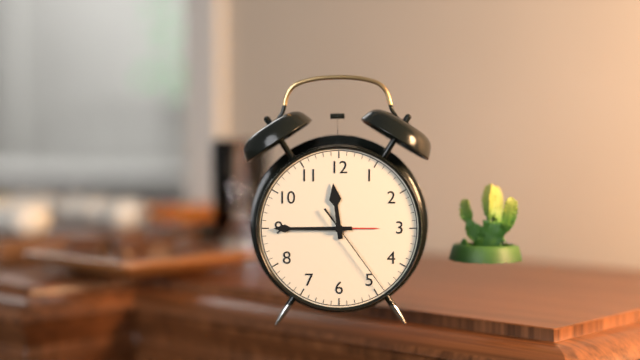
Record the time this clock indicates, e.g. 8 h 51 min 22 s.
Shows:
11 h 45 min 24 s
